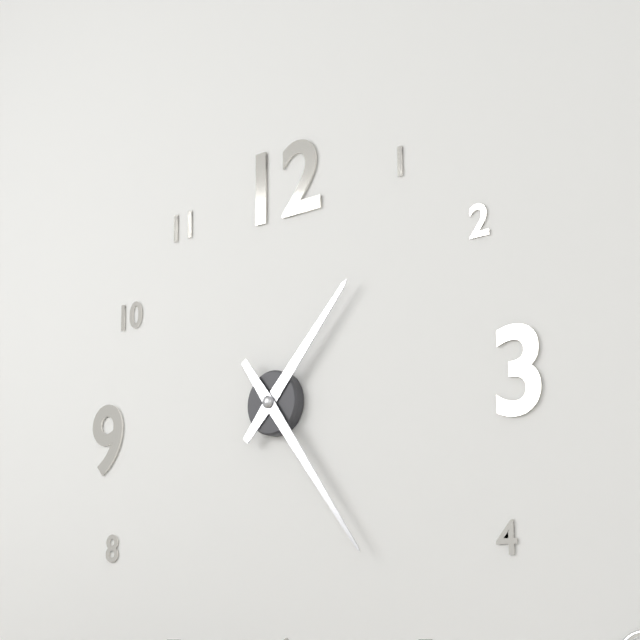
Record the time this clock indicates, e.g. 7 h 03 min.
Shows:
1 h 24 min
